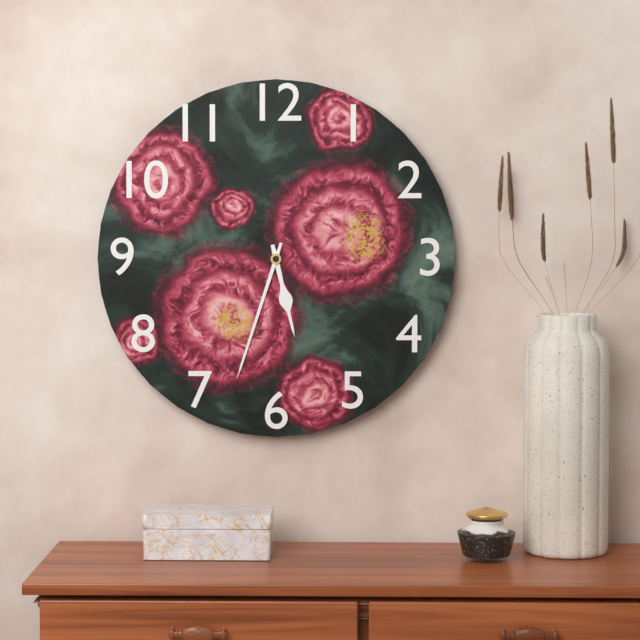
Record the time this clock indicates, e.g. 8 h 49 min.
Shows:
5 h 33 min
